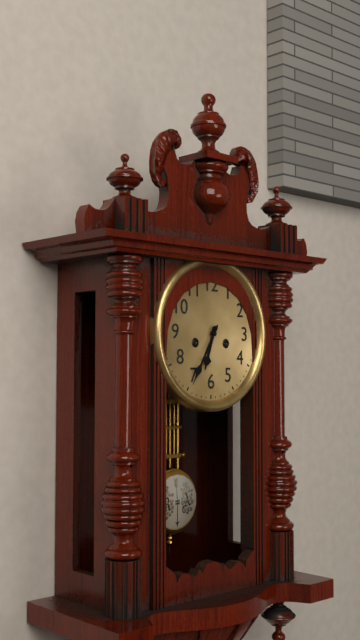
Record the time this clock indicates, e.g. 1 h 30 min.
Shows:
6 h 35 min
